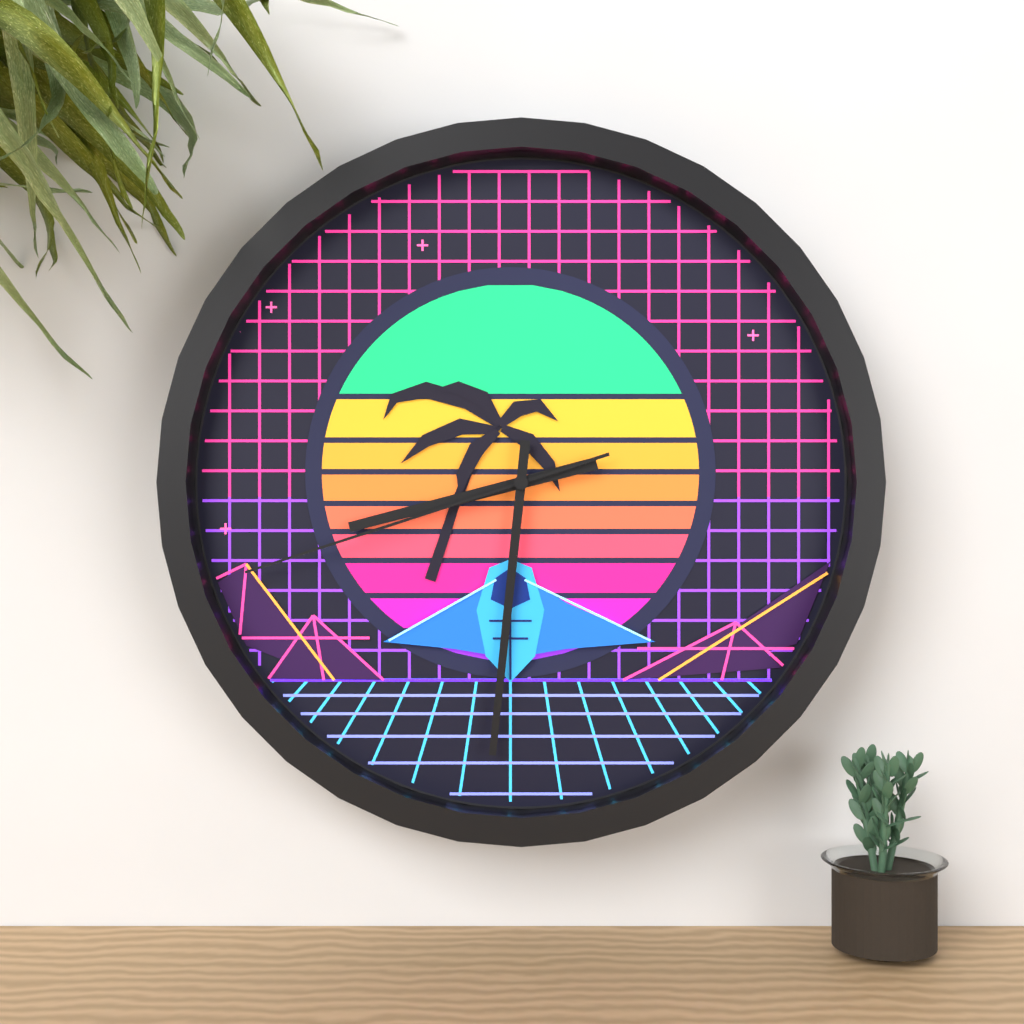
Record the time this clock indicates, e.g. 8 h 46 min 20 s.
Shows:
8 h 31 min 42 s
